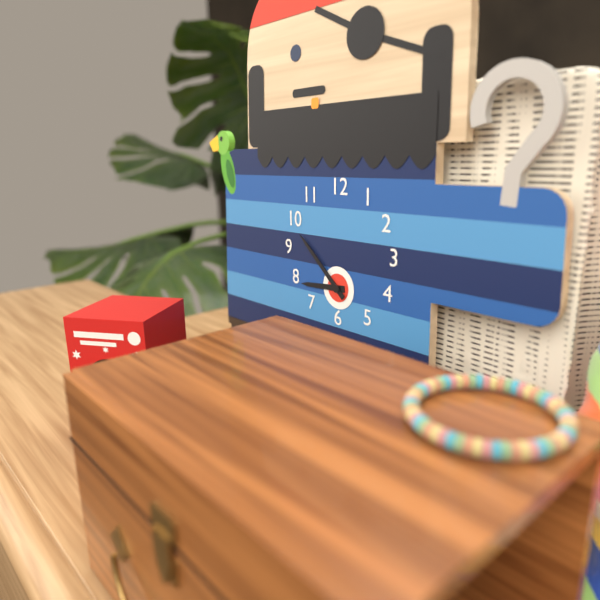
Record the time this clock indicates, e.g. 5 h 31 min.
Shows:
8 h 52 min
